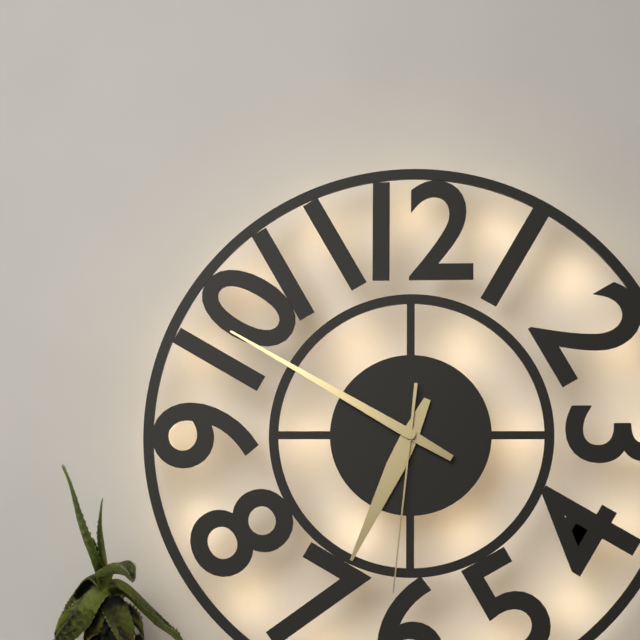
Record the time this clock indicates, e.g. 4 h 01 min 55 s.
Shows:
6 h 50 min 31 s
